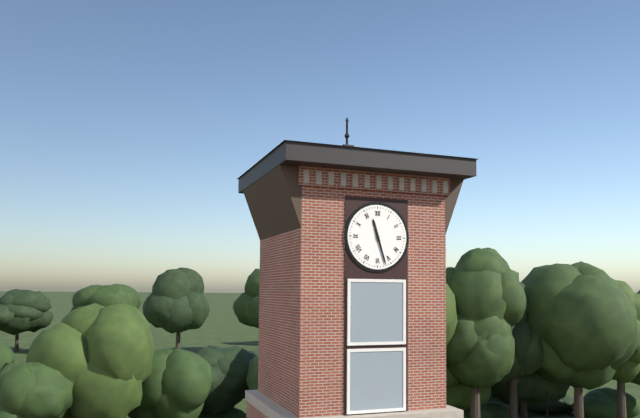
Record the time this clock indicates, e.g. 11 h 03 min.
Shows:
11 h 27 min
